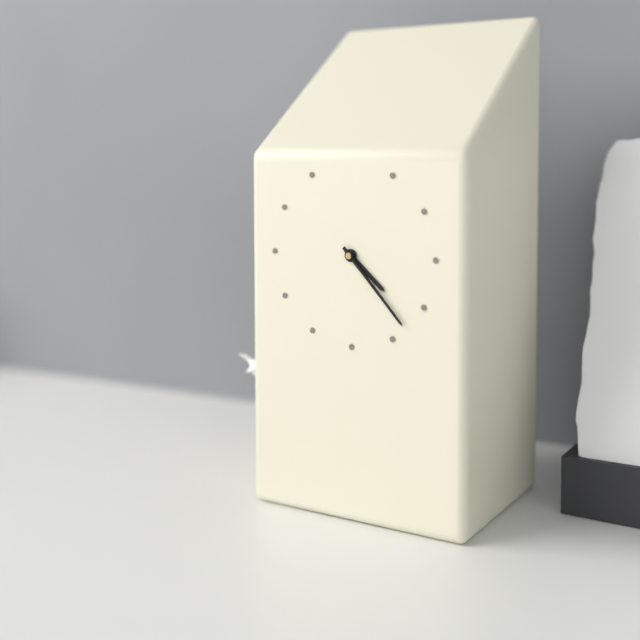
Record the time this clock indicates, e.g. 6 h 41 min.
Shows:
4 h 23 min
